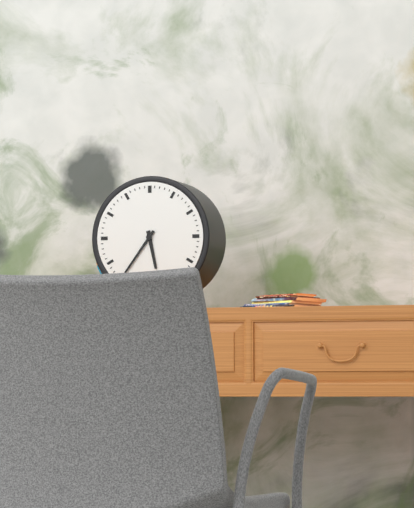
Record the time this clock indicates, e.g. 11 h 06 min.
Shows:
5 h 36 min
